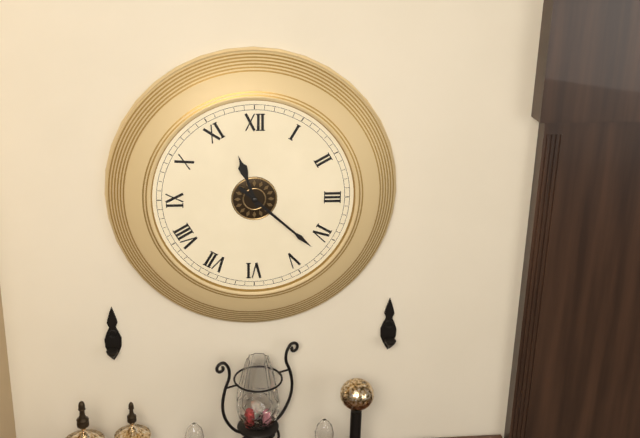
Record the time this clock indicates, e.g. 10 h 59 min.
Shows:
11 h 22 min
